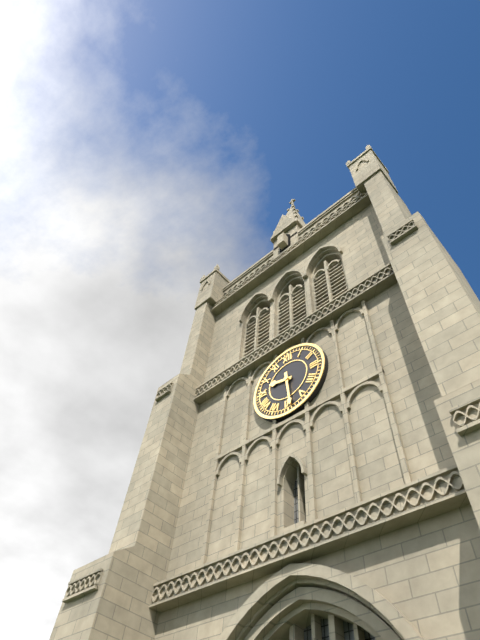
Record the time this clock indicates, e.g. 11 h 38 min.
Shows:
9 h 29 min
